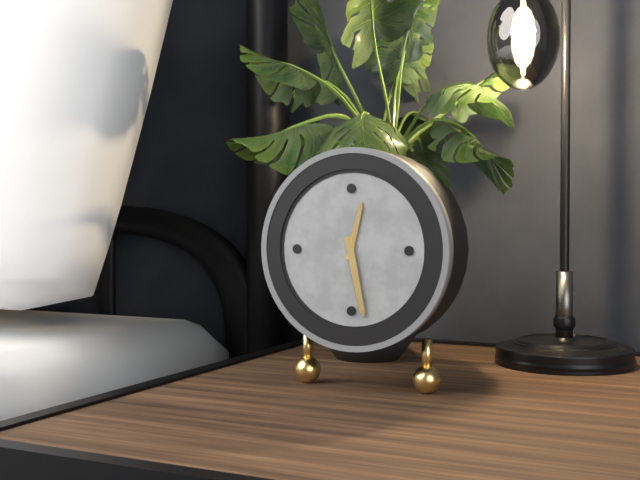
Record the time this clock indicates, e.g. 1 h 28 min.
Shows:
12 h 28 min
